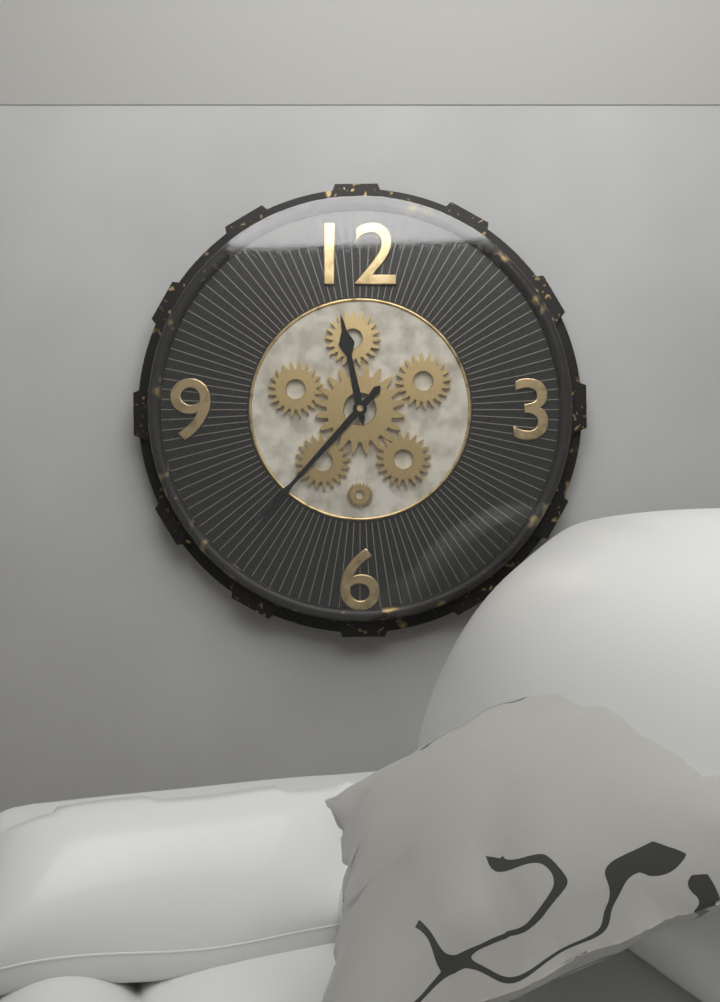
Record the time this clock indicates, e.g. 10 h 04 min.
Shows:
11 h 37 min
